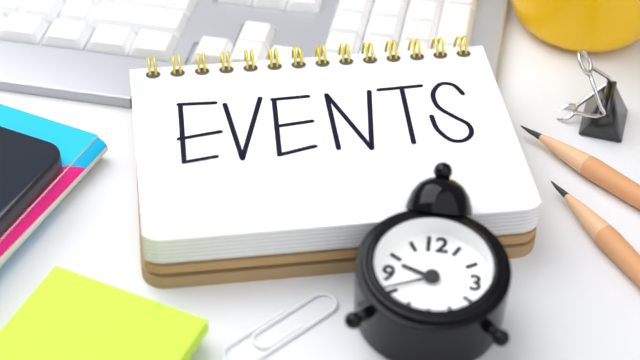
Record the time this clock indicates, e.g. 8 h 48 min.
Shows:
9 h 41 min
